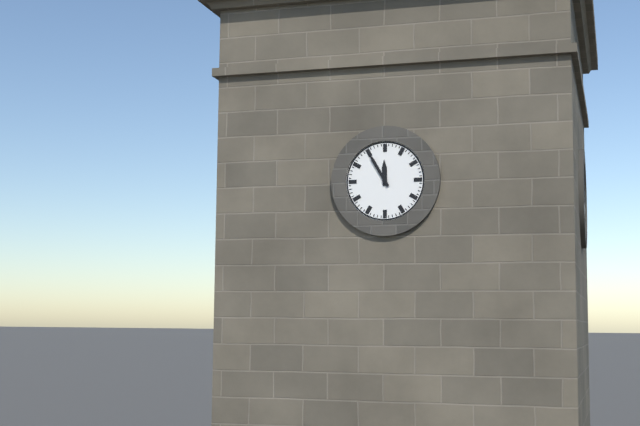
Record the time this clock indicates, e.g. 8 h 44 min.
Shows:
11 h 55 min
